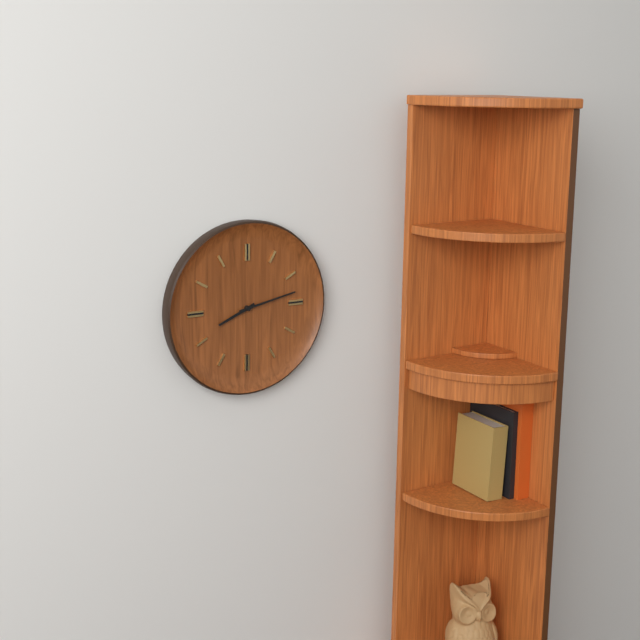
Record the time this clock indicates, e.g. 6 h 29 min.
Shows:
8 h 13 min
